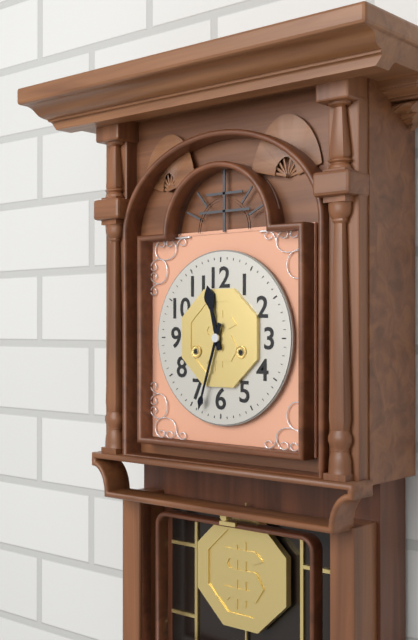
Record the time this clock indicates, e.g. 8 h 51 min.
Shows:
11 h 33 min
